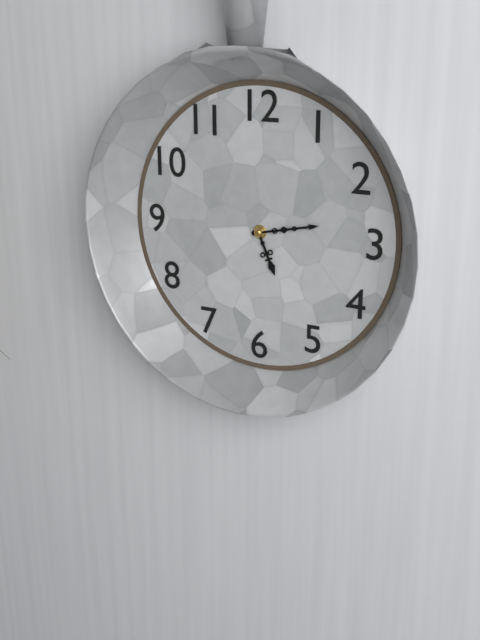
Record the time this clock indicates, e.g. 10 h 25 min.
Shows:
5 h 13 min
